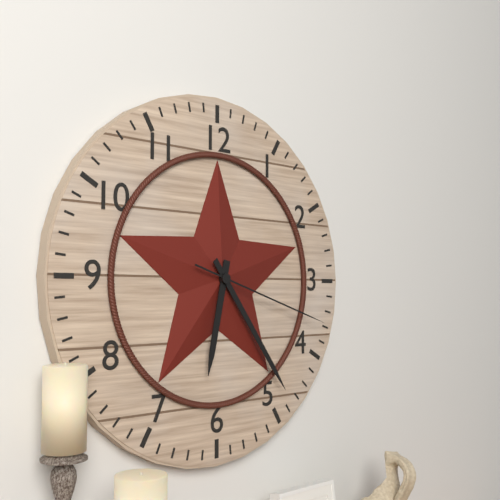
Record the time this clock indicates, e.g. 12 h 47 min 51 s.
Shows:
6 h 24 min 18 s
